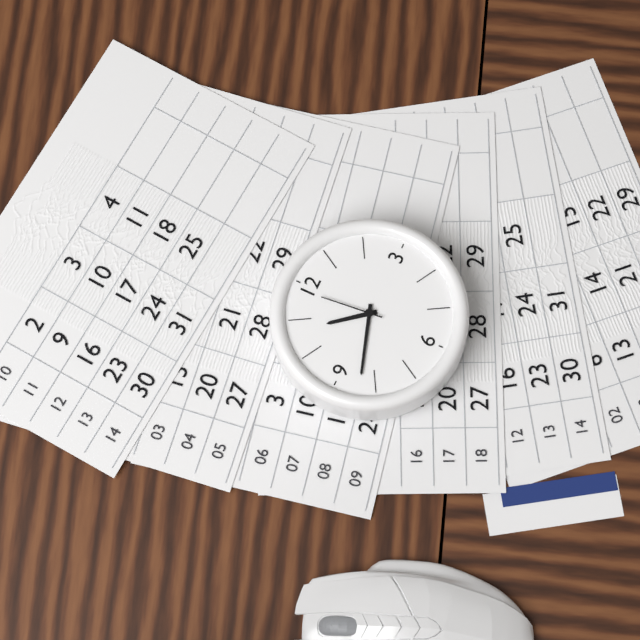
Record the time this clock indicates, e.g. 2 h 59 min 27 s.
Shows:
10 h 42 min 59 s
